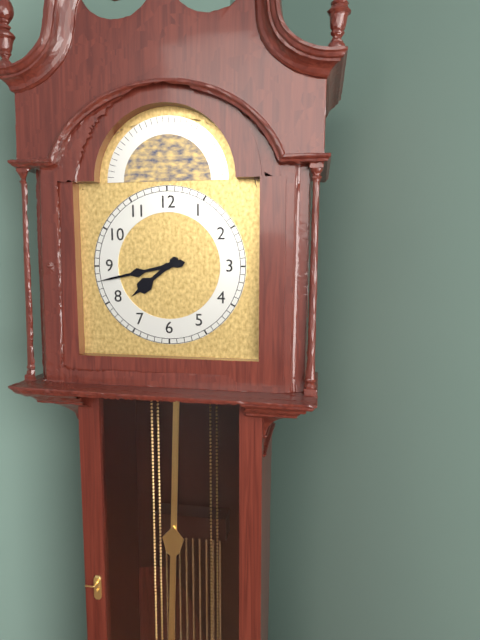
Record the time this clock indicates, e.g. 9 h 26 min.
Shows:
7 h 43 min
